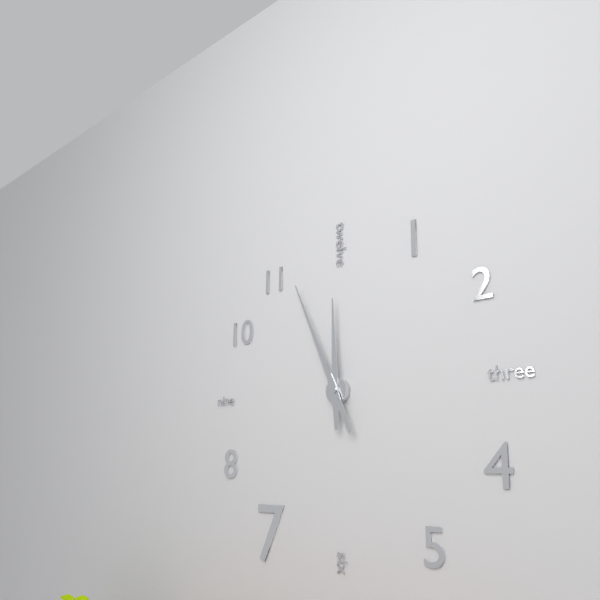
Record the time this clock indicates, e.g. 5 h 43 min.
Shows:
11 h 56 min
